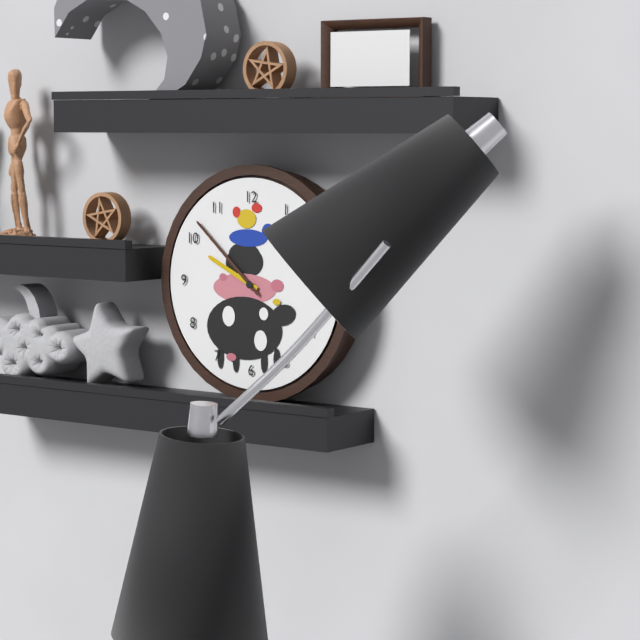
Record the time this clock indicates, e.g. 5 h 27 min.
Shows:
9 h 52 min
